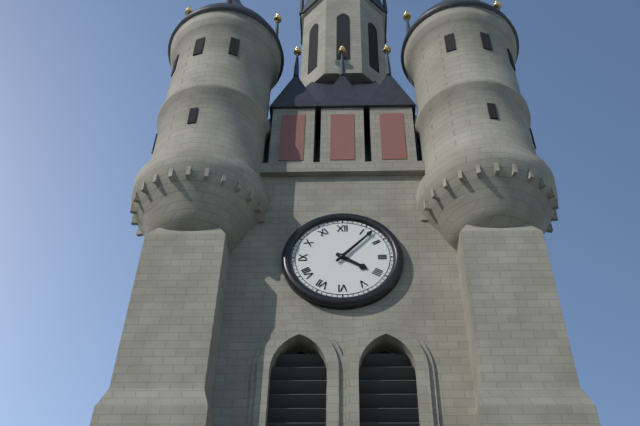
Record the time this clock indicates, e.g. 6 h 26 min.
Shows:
4 h 07 min
